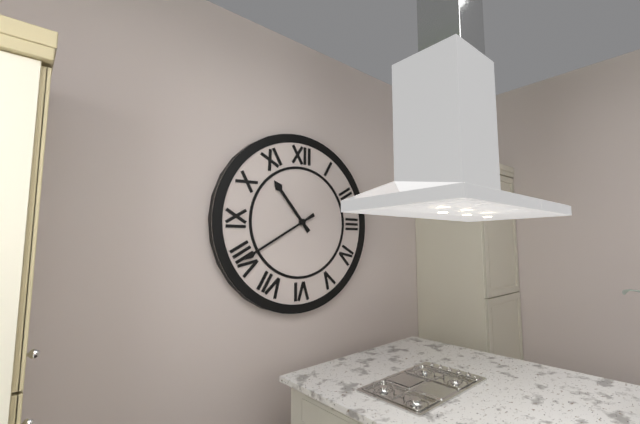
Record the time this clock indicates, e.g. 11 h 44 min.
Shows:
10 h 40 min
